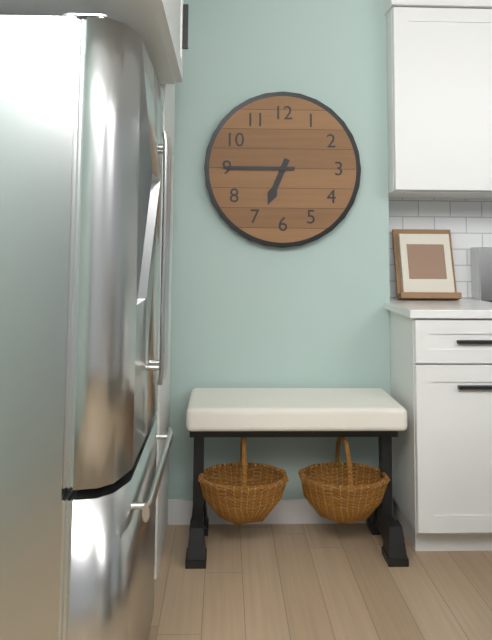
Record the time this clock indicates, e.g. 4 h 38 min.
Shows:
6 h 45 min
